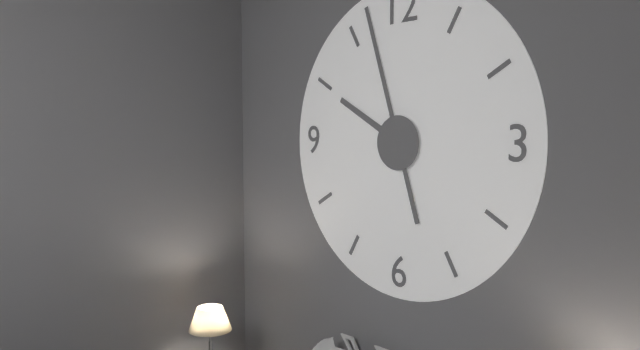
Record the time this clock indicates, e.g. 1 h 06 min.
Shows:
9 h 57 min
